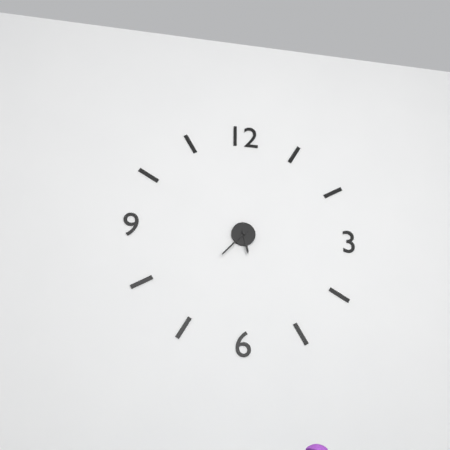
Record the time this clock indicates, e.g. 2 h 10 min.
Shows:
5 h 37 min
